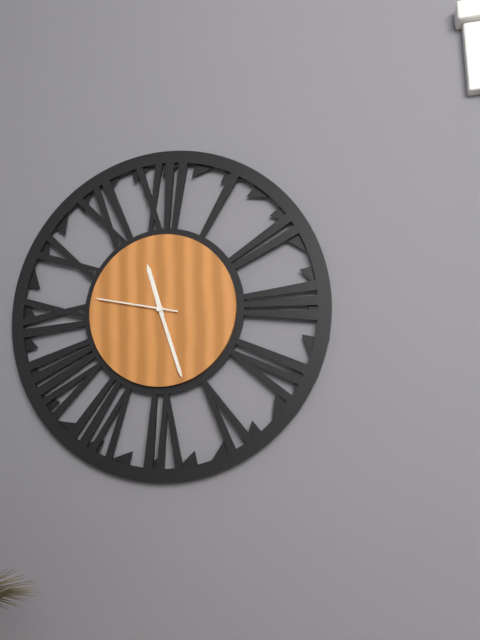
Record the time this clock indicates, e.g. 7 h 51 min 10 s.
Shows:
11 h 27 min 47 s
